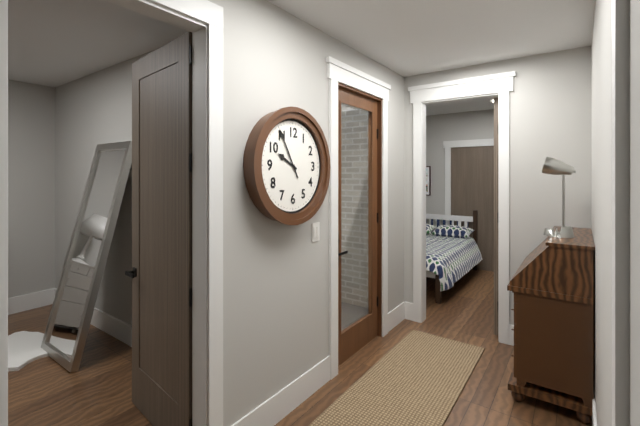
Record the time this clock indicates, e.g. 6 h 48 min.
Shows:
9 h 55 min
